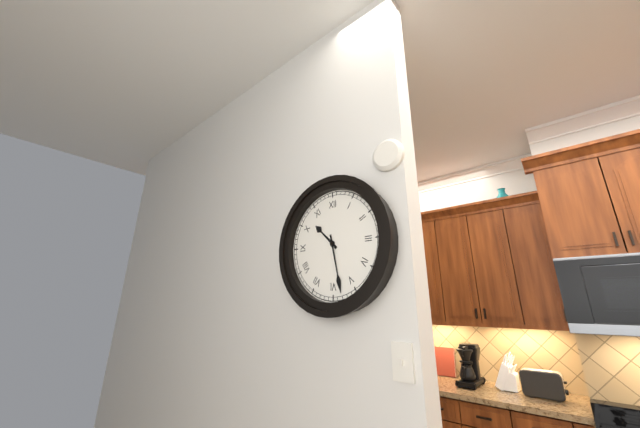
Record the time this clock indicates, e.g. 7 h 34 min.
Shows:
10 h 28 min
